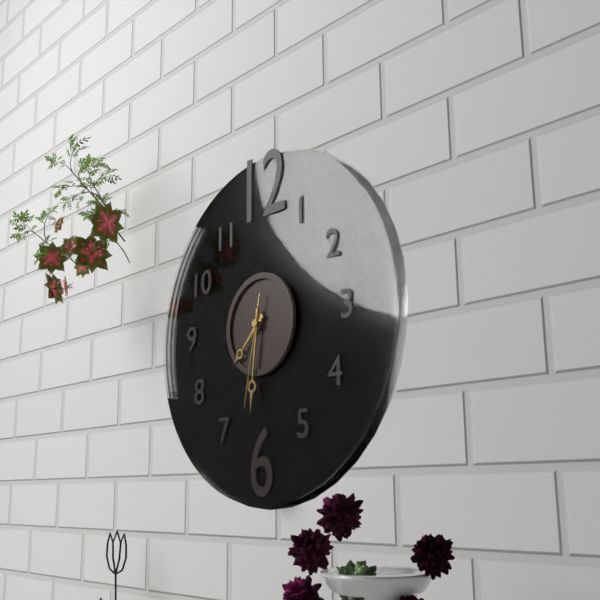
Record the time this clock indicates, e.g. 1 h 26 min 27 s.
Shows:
7 h 31 min 32 s
